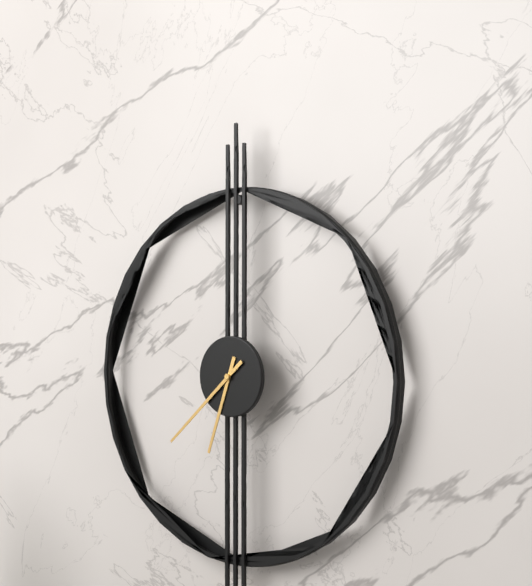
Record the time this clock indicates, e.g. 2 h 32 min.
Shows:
6 h 38 min
